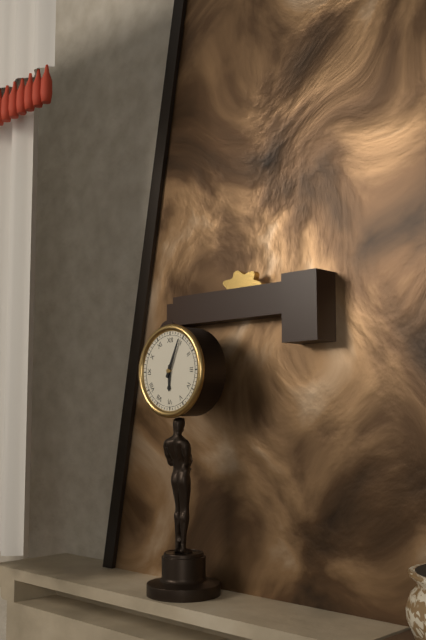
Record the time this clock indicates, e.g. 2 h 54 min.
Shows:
6 h 04 min
